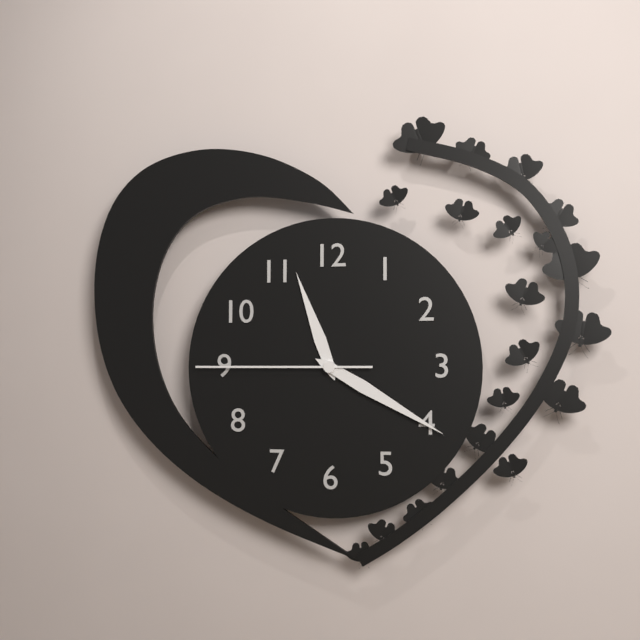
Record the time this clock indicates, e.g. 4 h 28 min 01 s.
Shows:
11 h 20 min 45 s
